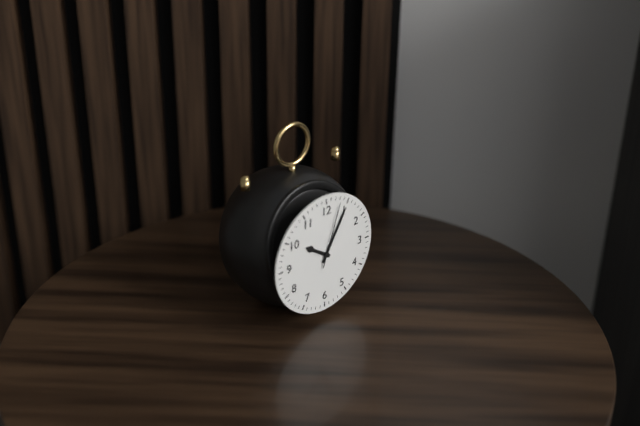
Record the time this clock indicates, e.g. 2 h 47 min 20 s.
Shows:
10 h 05 min 03 s
